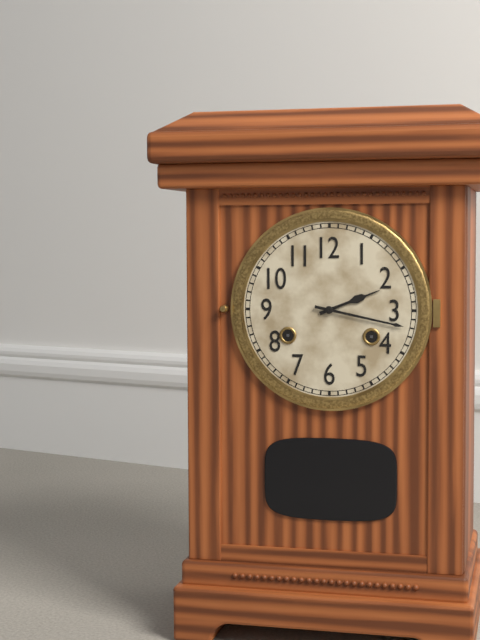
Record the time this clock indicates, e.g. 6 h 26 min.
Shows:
2 h 17 min
